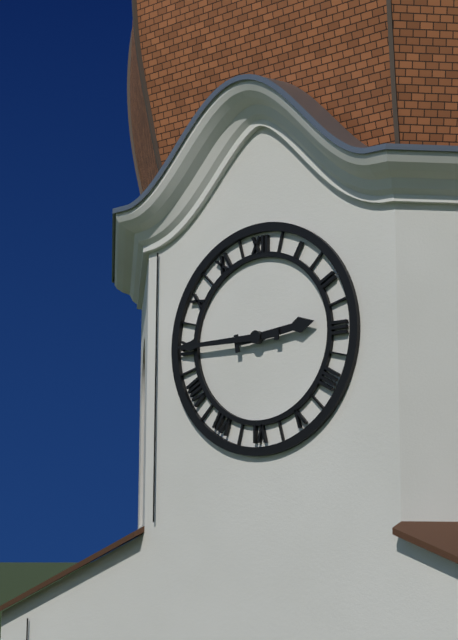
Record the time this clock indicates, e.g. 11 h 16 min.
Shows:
2 h 45 min
